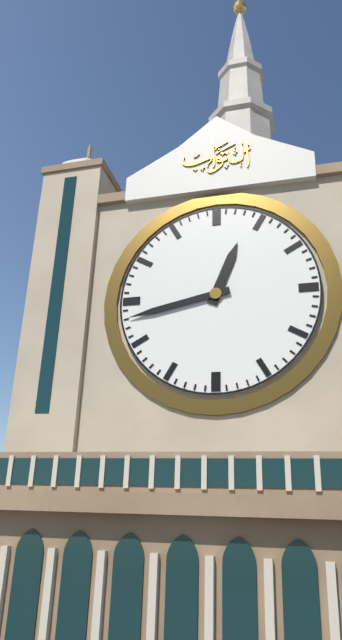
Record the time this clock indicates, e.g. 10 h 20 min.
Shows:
12 h 43 min
